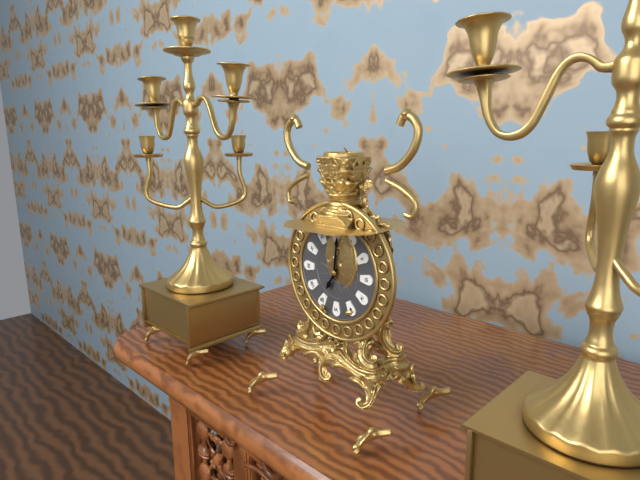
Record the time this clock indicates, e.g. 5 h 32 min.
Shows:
7 h 01 min
